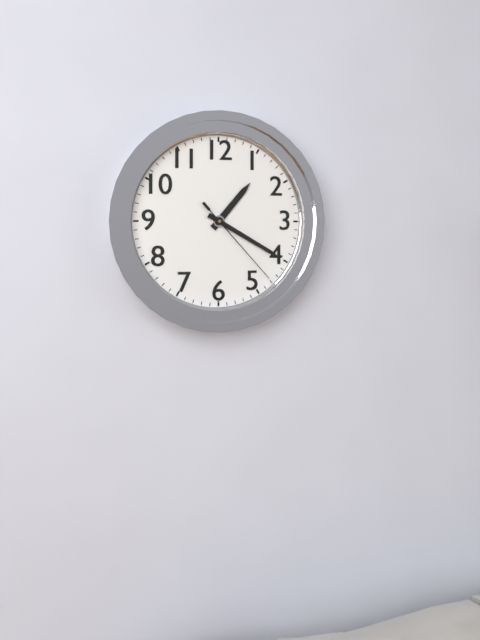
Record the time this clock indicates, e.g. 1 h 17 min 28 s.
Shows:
1 h 20 min 23 s
